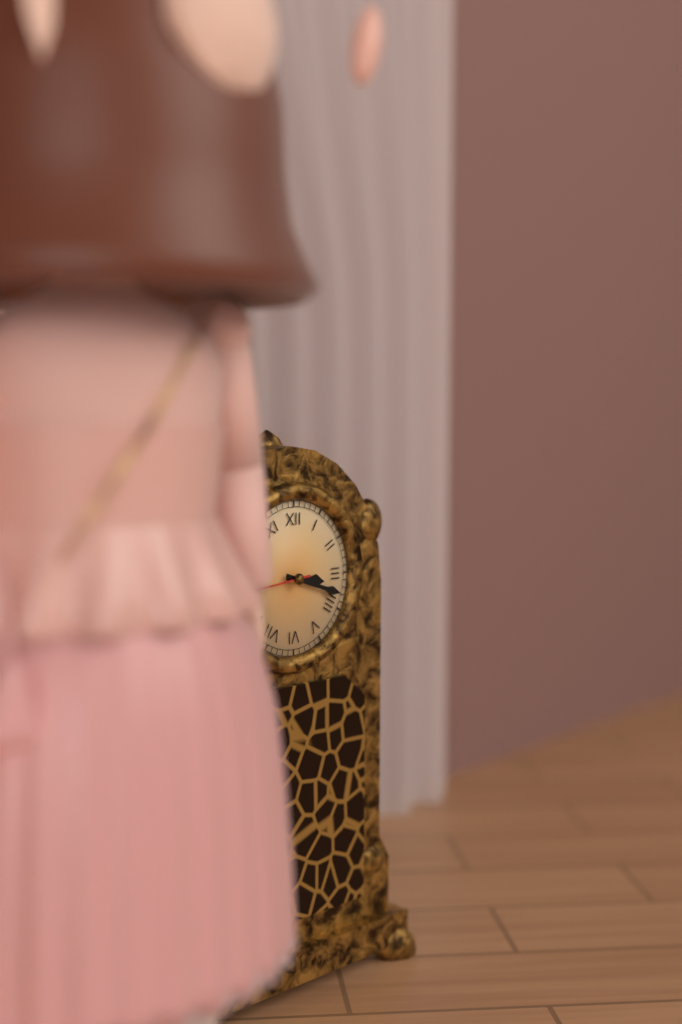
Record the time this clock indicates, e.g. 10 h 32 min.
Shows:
3 h 18 min
